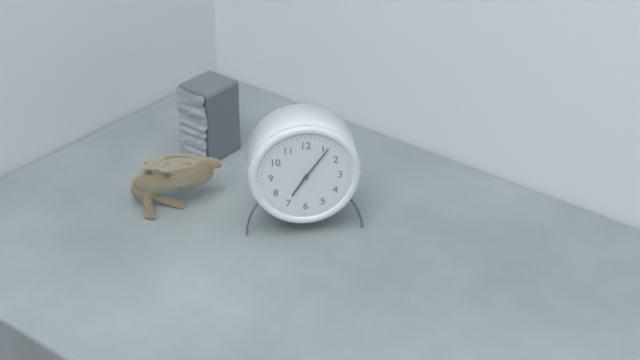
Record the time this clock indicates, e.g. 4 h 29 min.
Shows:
7 h 06 min
